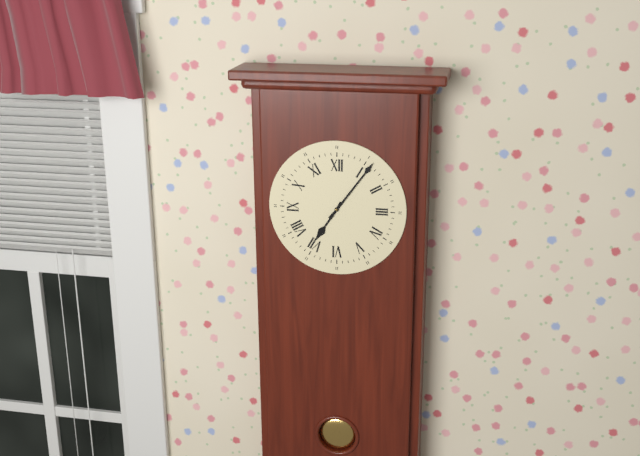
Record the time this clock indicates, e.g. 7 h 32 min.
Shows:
7 h 06 min
